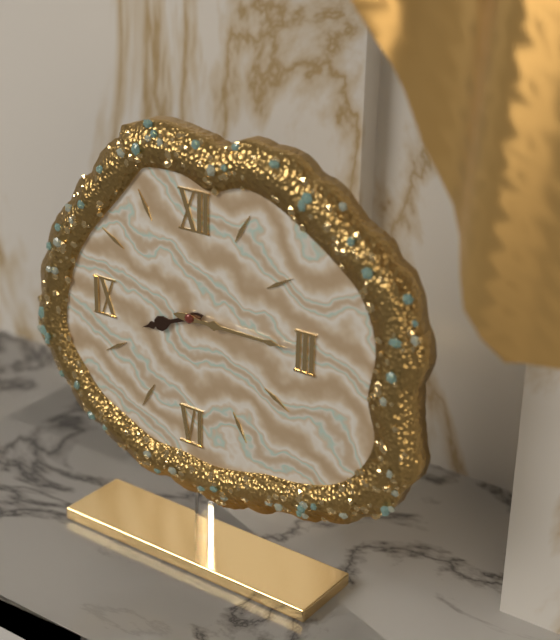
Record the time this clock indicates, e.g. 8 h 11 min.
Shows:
8 h 15 min
